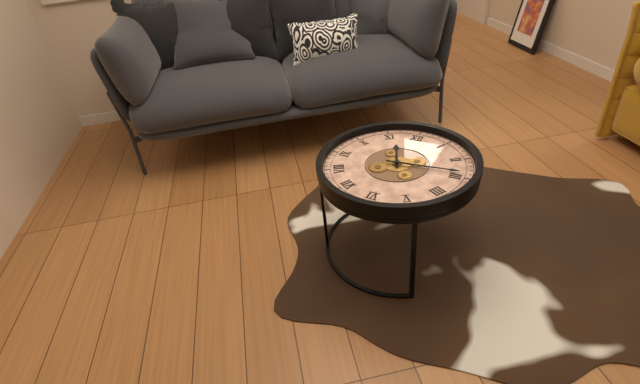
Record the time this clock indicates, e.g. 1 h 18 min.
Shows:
11 h 14 min
